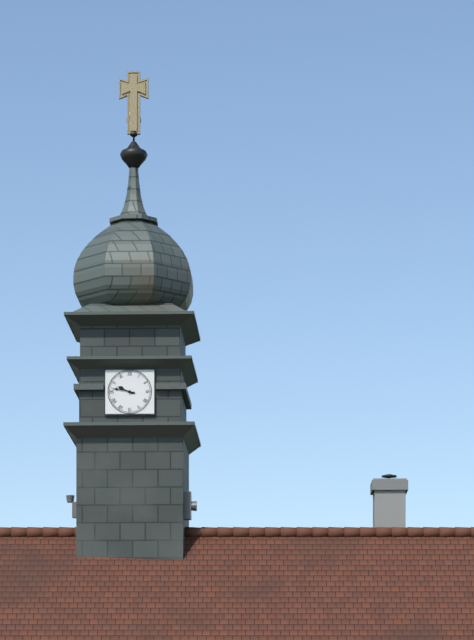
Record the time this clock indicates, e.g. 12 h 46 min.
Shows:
9 h 47 min
